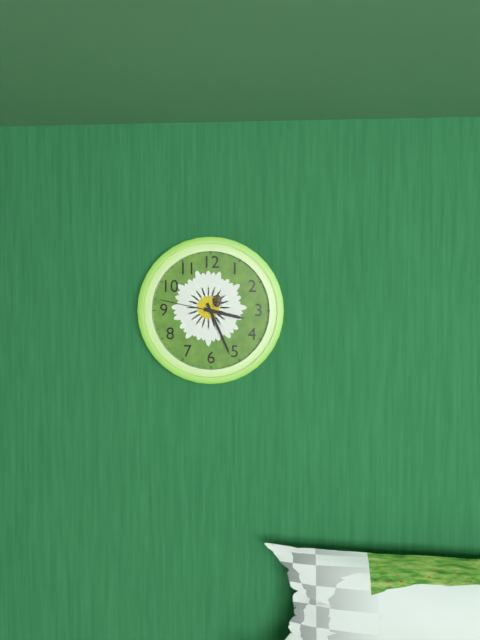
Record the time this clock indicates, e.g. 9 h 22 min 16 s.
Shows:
3 h 26 min 47 s
